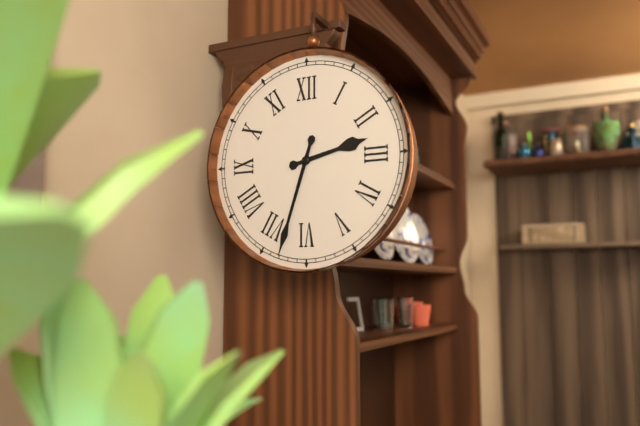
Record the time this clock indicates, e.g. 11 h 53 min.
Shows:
2 h 33 min
